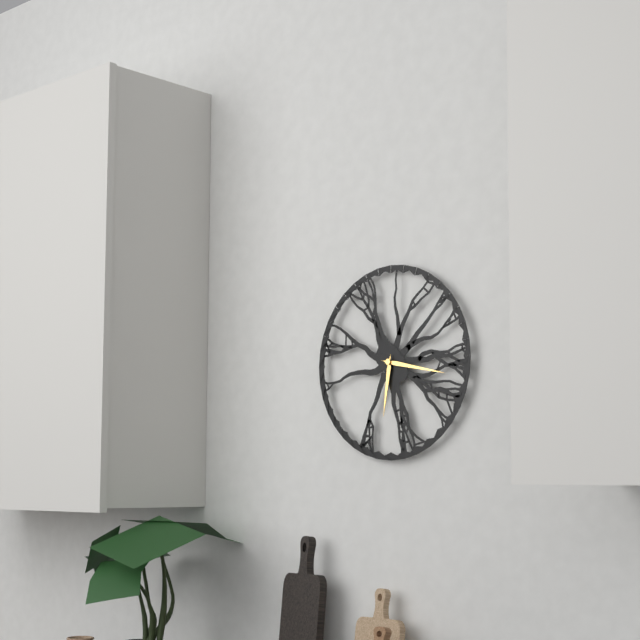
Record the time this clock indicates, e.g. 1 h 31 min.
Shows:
6 h 17 min
